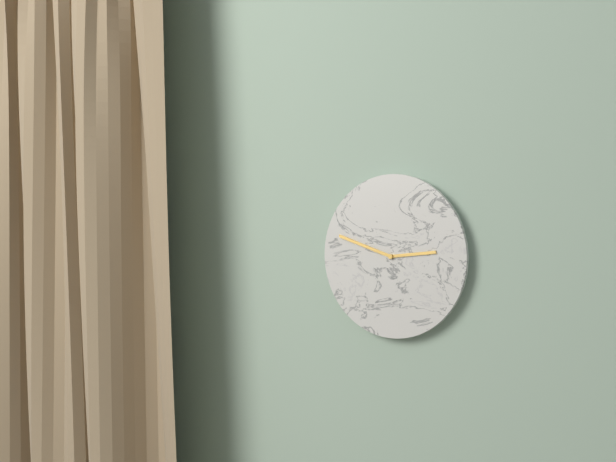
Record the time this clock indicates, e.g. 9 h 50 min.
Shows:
2 h 48 min
